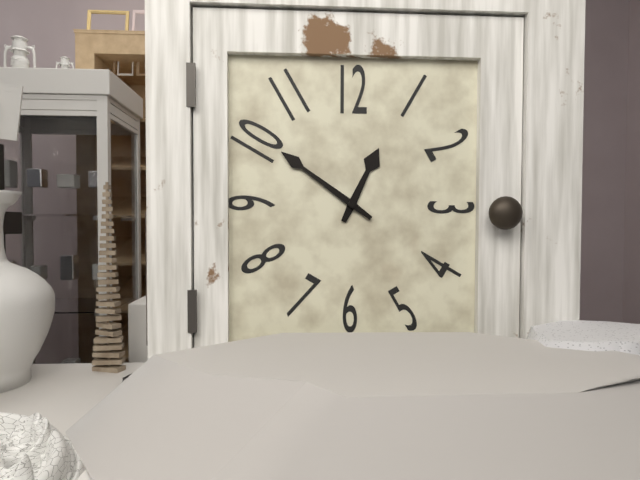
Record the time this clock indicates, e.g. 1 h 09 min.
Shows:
12 h 51 min
